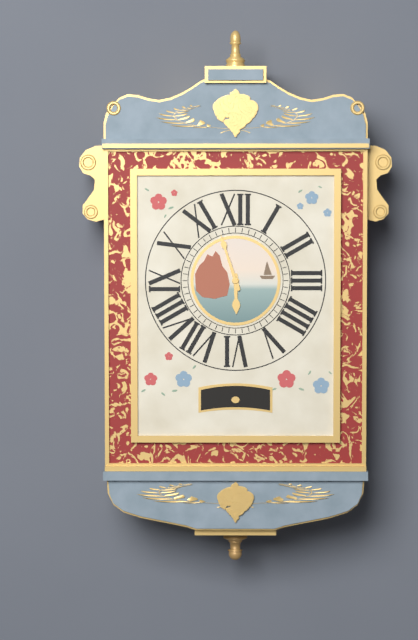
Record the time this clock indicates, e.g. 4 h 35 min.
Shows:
5 h 57 min
